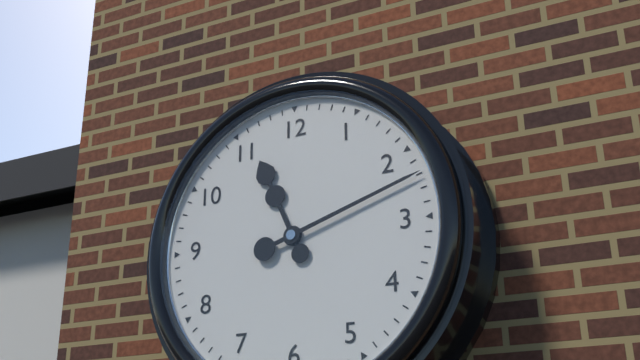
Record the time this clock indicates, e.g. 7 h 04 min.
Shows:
11 h 12 min
